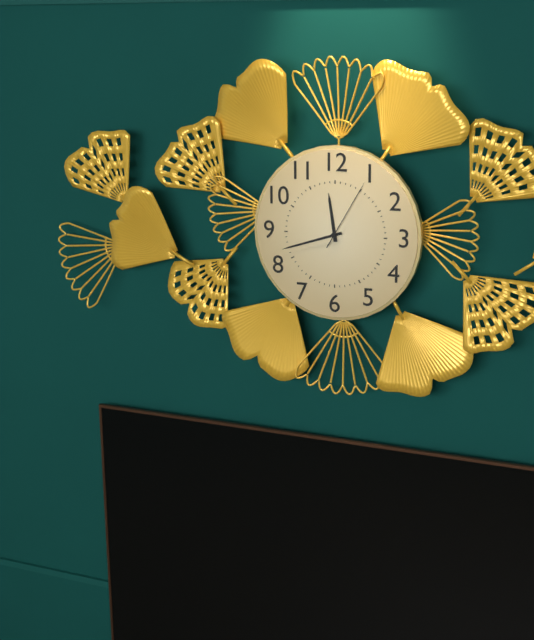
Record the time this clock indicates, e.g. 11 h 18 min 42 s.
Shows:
11 h 42 min 05 s
